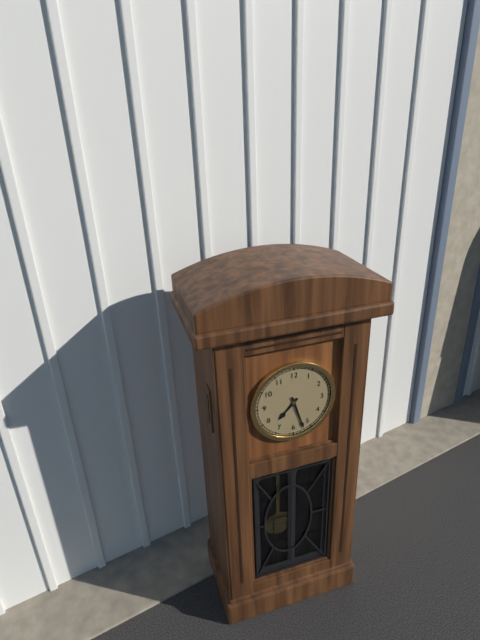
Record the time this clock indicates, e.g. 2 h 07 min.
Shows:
7 h 27 min
